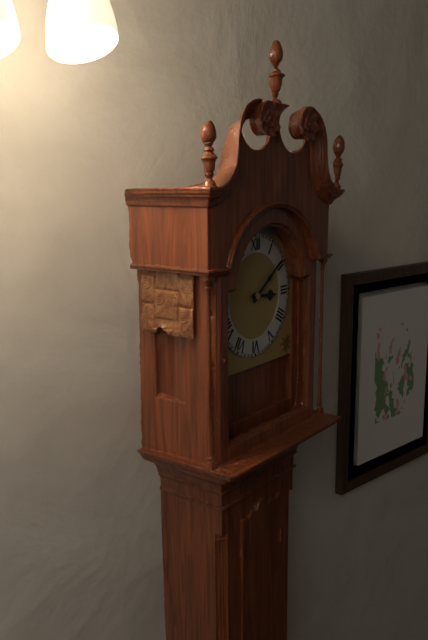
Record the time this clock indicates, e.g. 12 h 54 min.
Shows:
3 h 09 min
